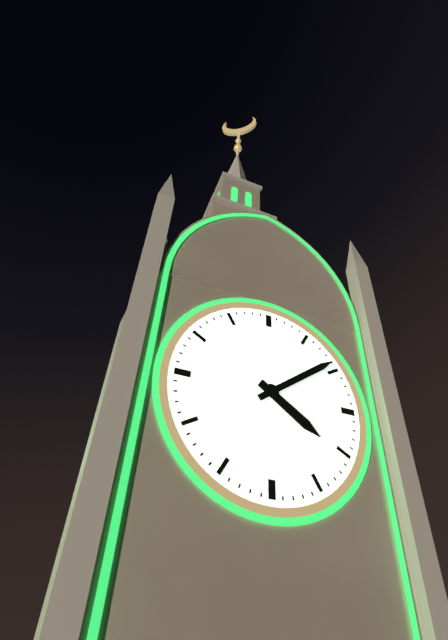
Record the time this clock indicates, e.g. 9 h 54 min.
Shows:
4 h 09 min
